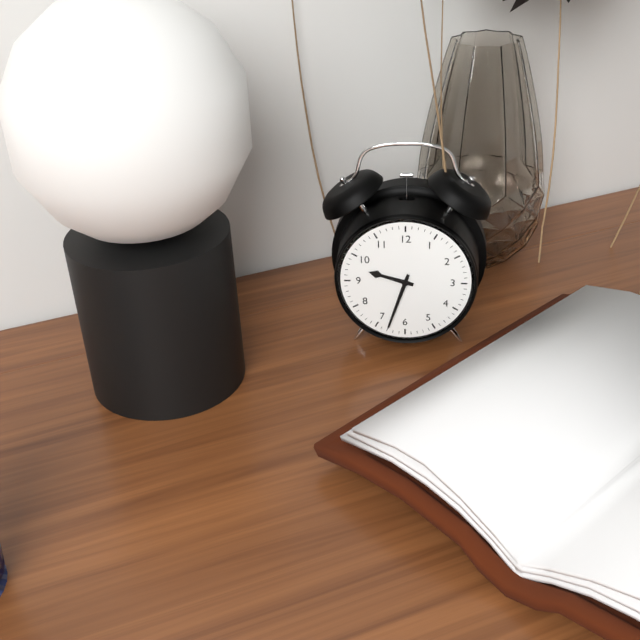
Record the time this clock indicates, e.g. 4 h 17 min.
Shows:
9 h 33 min
